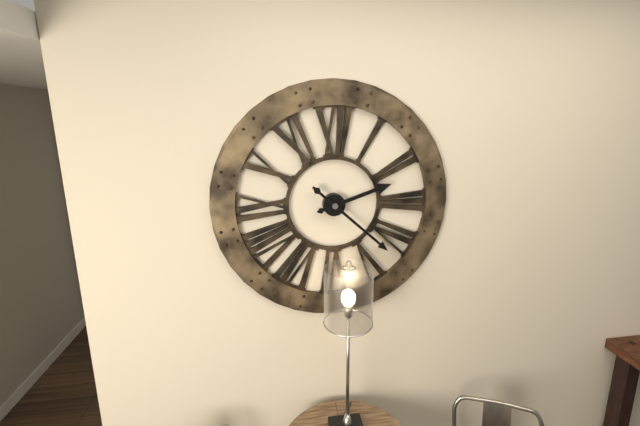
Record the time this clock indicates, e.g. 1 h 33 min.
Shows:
2 h 22 min
